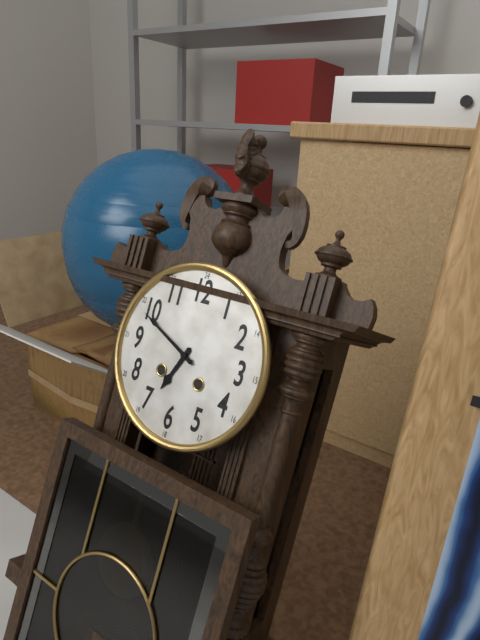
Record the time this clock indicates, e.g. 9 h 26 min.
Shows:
6 h 49 min
